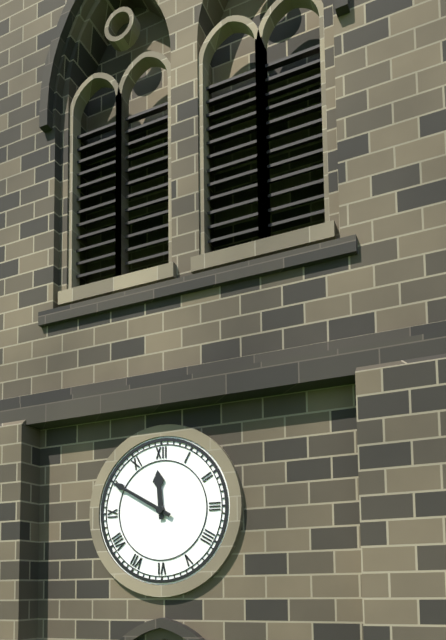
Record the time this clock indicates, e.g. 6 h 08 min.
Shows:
11 h 50 min
